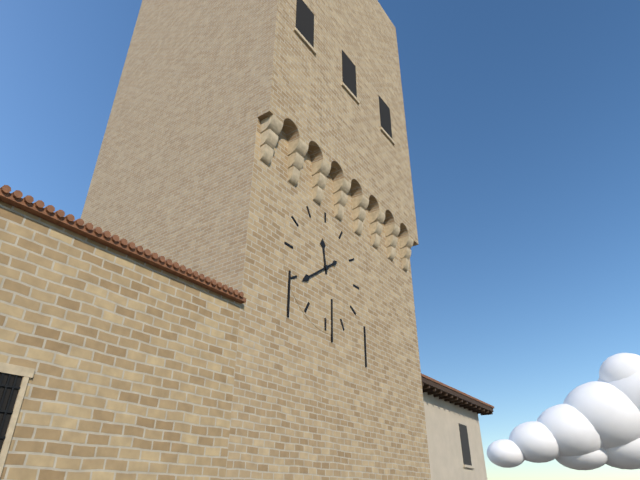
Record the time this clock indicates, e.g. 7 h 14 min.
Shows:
11 h 39 min
